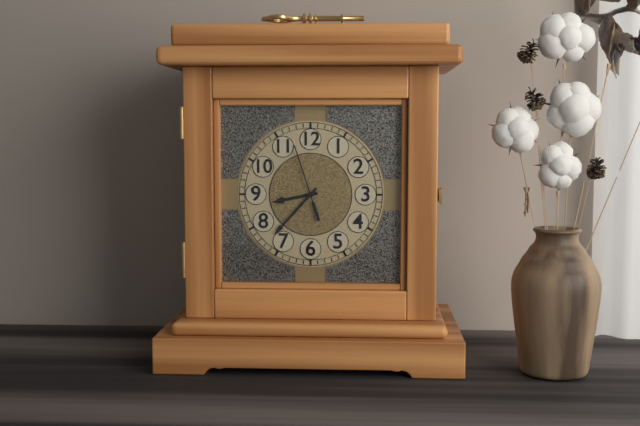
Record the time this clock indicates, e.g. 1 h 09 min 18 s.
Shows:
8 h 37 min 57 s
